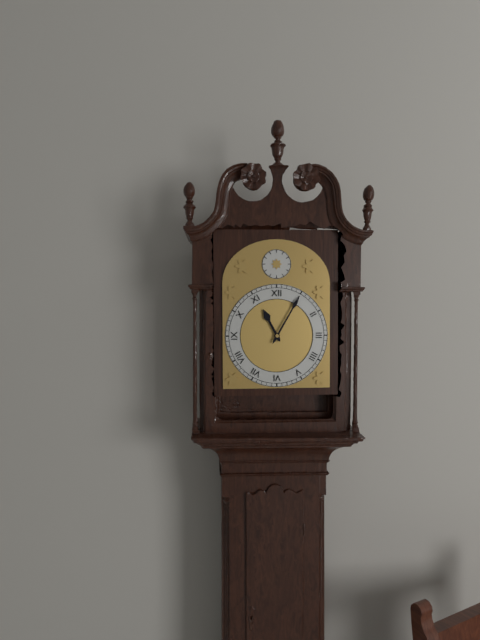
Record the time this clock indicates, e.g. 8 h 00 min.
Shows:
11 h 05 min
